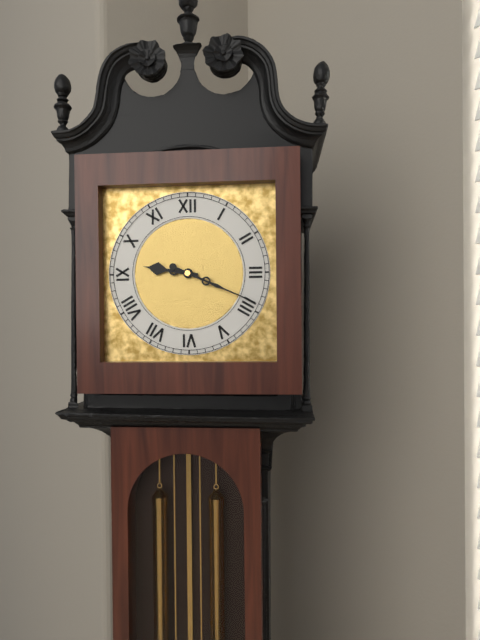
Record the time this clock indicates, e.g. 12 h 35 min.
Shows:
9 h 19 min
